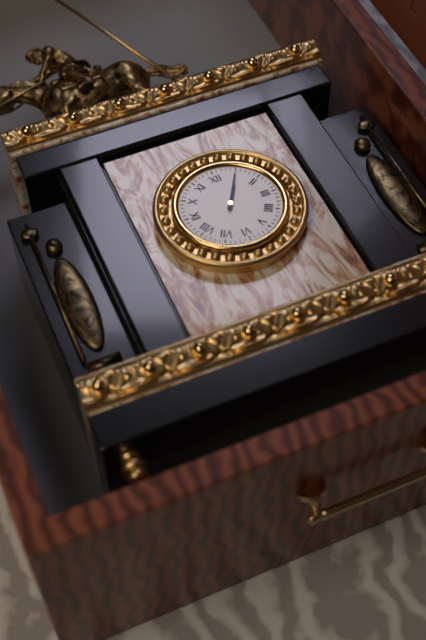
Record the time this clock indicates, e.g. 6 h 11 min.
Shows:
1 h 05 min
